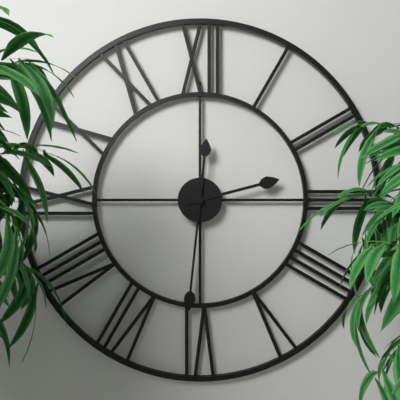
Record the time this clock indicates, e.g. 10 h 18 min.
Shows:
2 h 31 min
